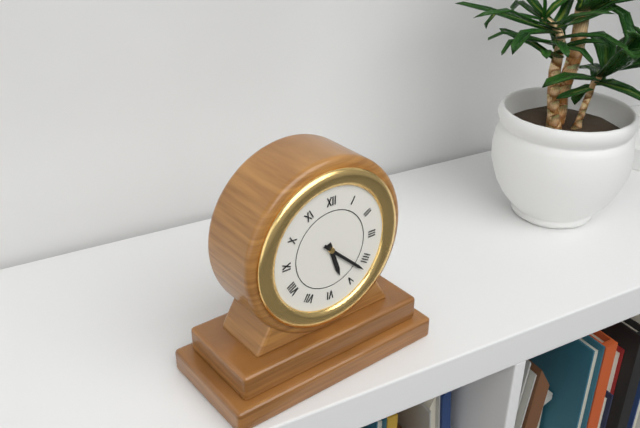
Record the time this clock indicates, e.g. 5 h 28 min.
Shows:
5 h 22 min
